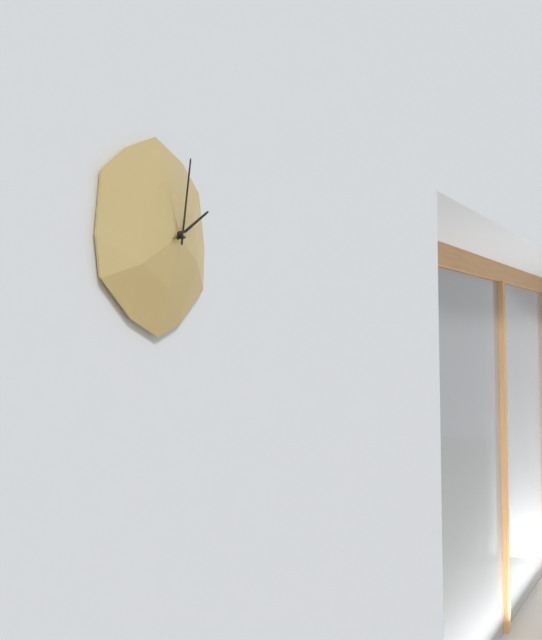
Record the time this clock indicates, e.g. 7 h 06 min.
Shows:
2 h 02 min
